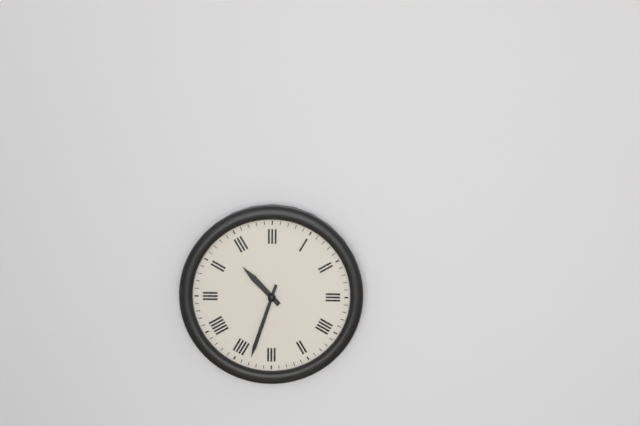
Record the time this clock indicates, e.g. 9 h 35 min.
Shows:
10 h 33 min
